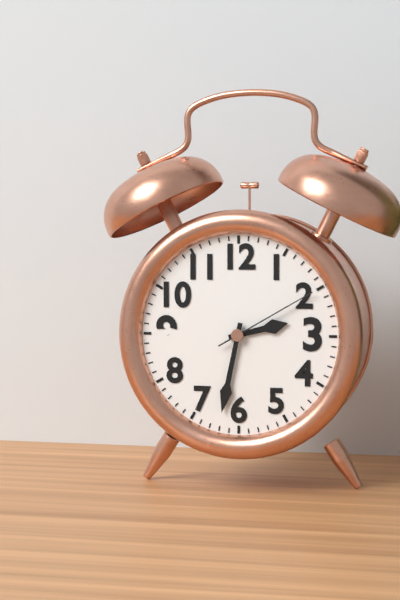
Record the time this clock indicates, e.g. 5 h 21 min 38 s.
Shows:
2 h 32 min 10 s
